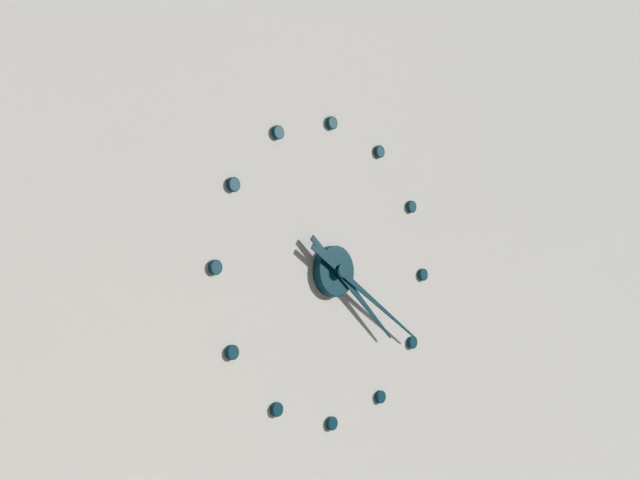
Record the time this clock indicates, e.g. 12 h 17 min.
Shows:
4 h 20 min
